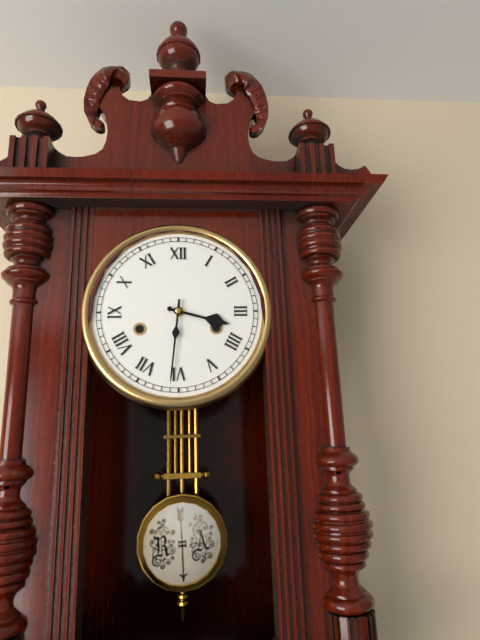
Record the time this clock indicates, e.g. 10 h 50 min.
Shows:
3 h 31 min
